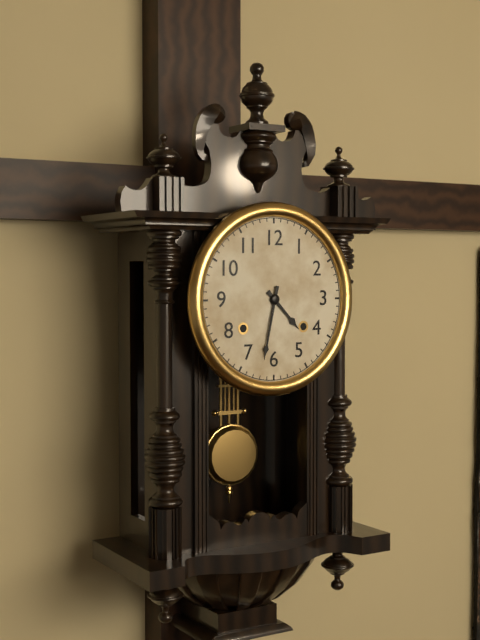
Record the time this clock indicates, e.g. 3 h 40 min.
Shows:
4 h 32 min
